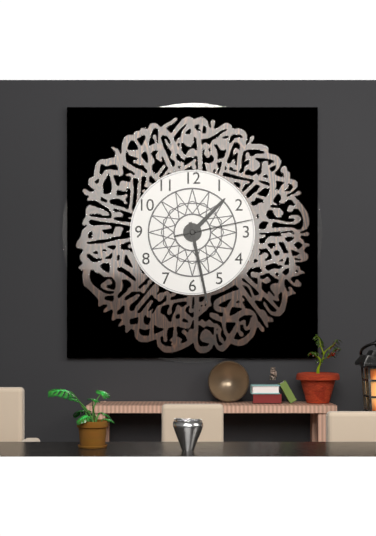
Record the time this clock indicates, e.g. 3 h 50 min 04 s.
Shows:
1 h 28 min 13 s
